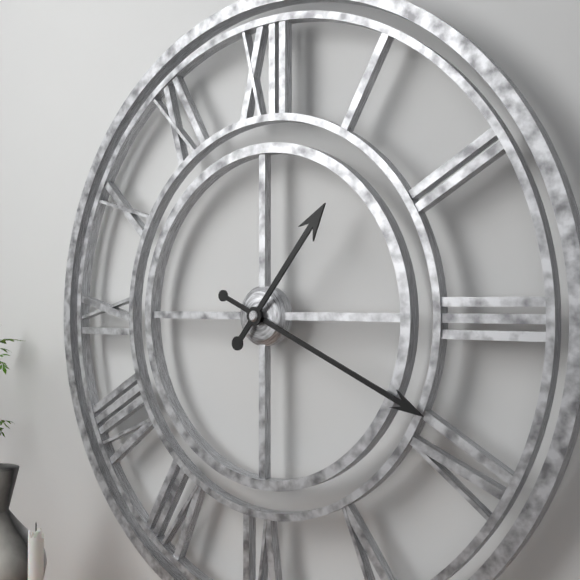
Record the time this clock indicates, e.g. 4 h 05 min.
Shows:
1 h 19 min
